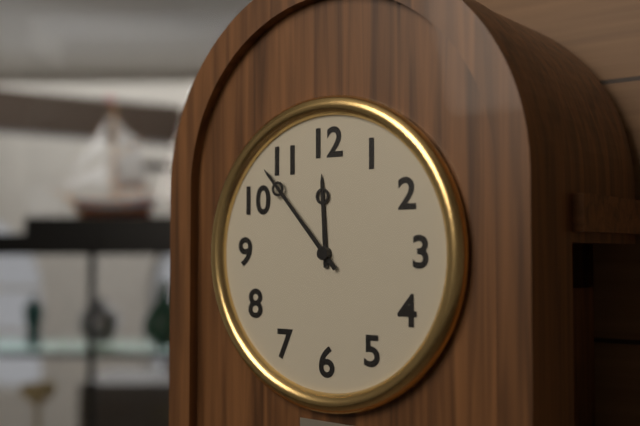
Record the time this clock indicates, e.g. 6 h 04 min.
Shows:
11 h 53 min
